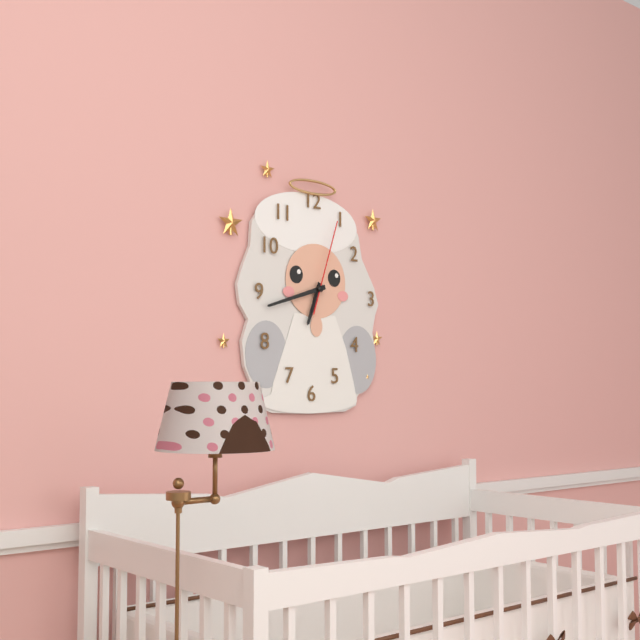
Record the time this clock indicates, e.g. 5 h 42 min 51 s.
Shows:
6 h 42 min 03 s
